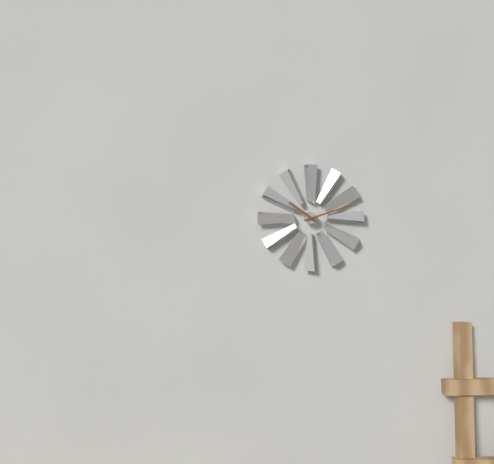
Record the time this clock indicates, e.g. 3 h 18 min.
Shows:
10 h 12 min
